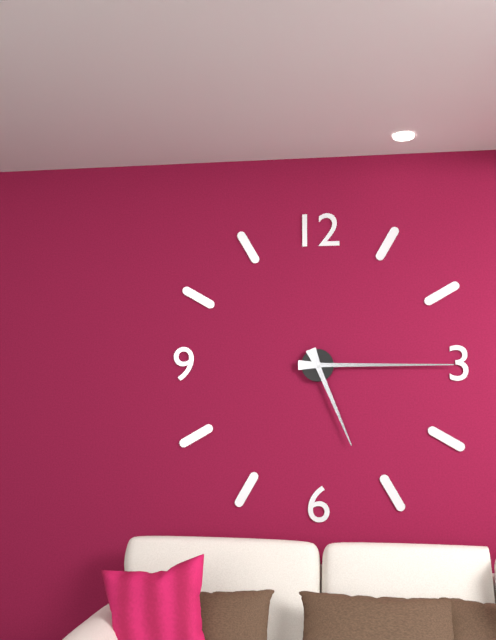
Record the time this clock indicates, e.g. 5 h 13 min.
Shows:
5 h 15 min
